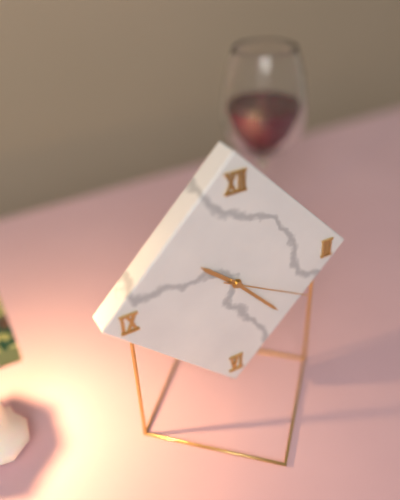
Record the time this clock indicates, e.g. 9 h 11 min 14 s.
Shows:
10 h 23 min 20 s
